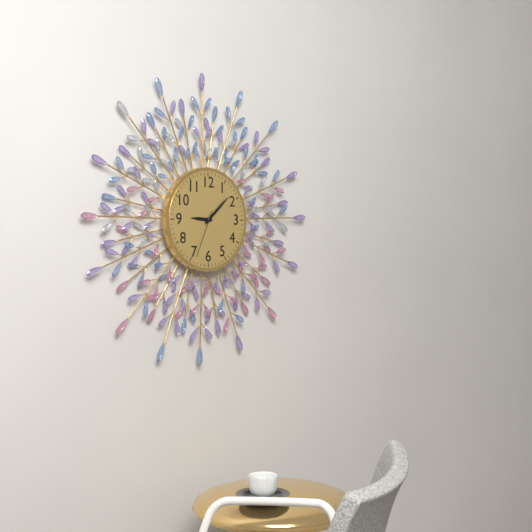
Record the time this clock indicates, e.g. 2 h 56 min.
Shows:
9 h 08 min
